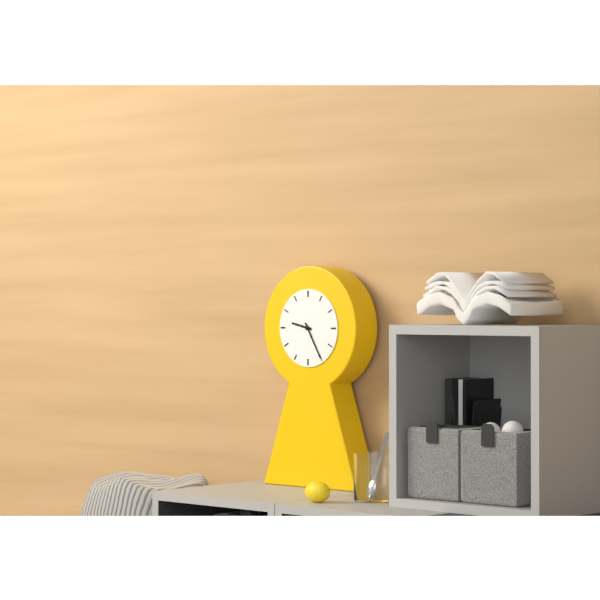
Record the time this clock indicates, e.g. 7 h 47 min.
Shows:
9 h 25 min
